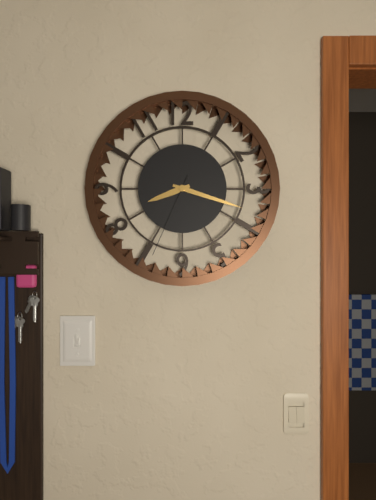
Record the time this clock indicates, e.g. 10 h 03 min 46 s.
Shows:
8 h 18 min 34 s
